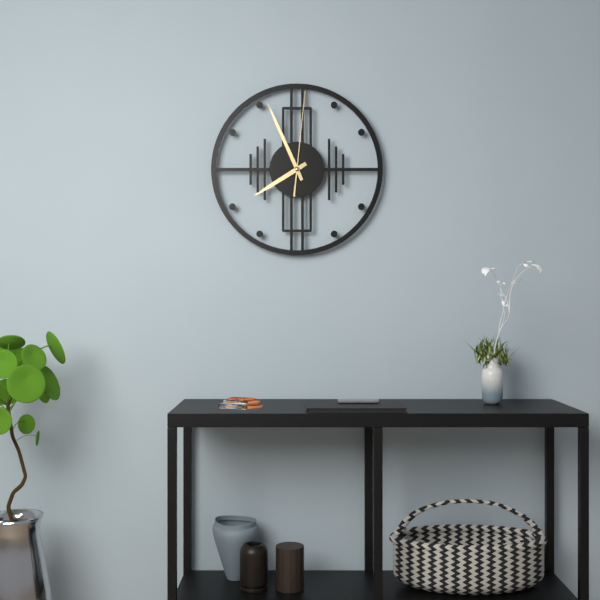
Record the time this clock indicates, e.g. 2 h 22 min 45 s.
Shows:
7 h 56 min 01 s
